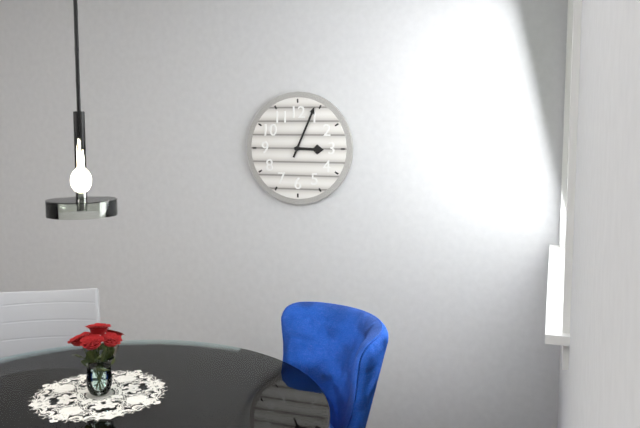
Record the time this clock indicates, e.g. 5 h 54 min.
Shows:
3 h 04 min
